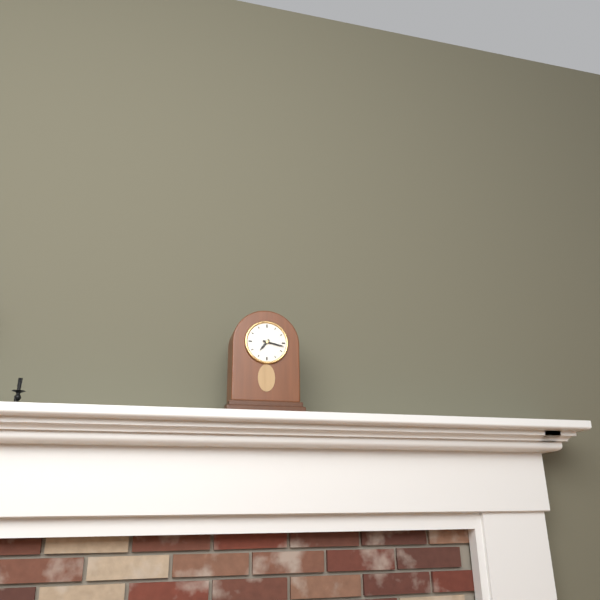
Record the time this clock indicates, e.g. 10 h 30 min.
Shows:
7 h 17 min
